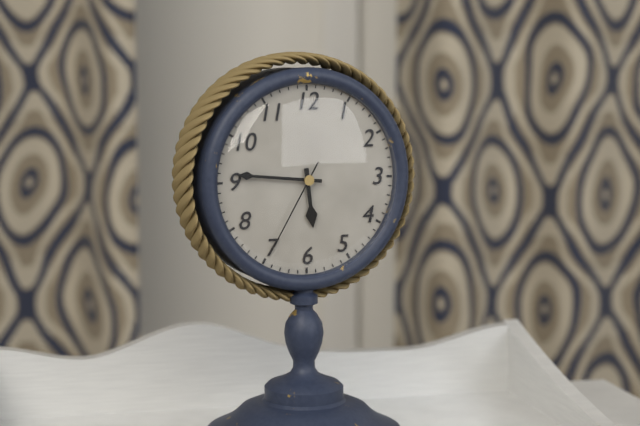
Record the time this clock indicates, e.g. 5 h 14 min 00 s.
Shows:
5 h 46 min 35 s
